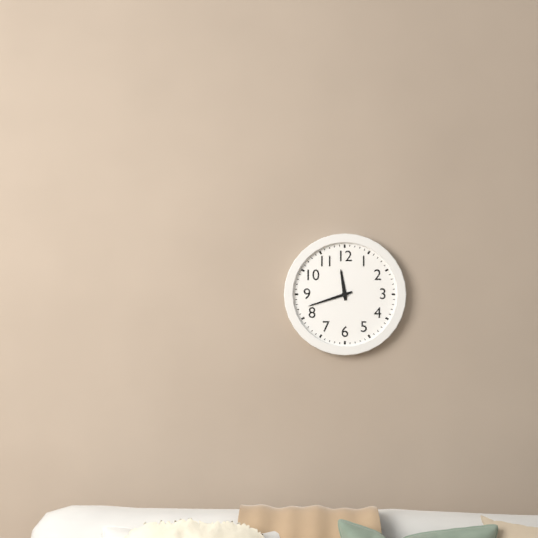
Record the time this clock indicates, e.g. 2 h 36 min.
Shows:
11 h 42 min
